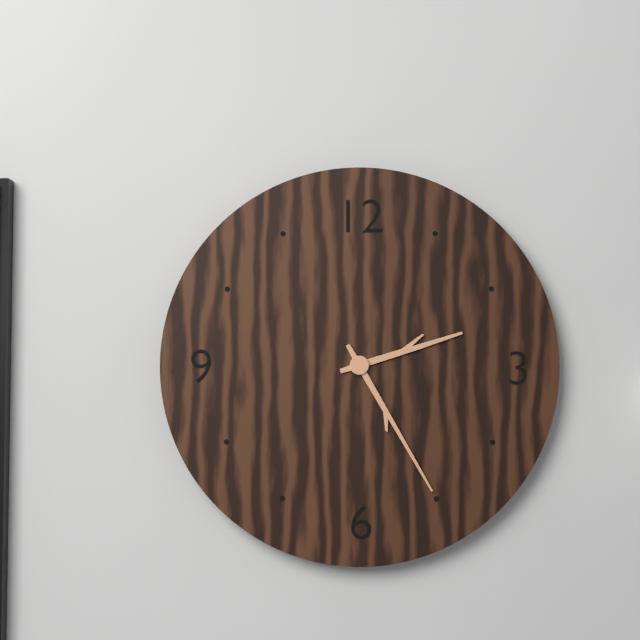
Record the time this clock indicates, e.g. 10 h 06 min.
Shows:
2 h 25 min
